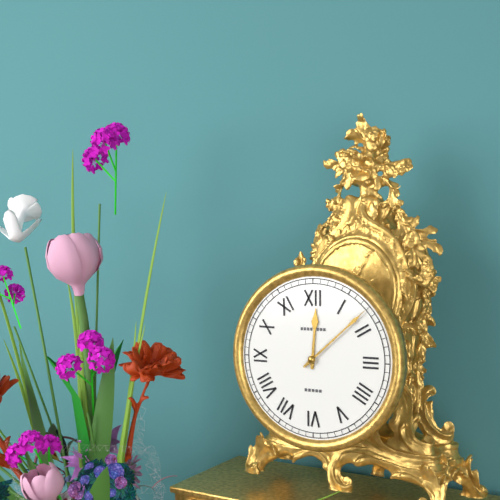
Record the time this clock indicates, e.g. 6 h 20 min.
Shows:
12 h 08 min
